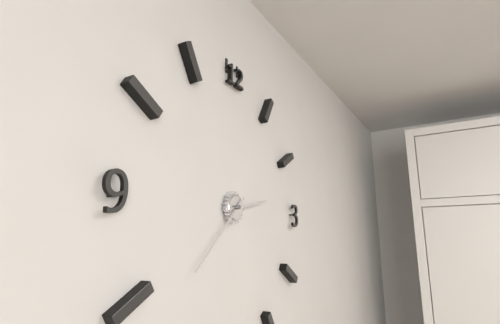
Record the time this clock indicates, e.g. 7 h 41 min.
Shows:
2 h 38 min
